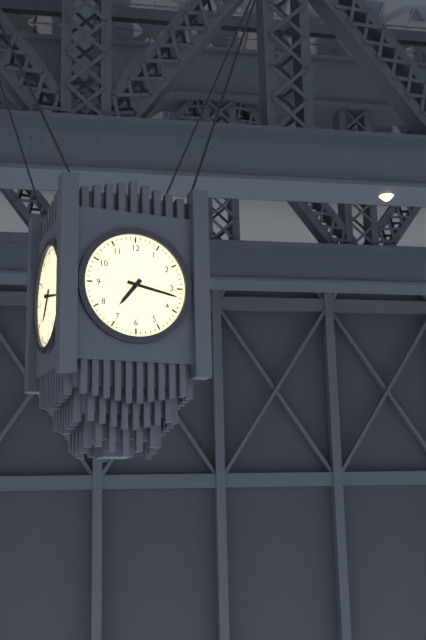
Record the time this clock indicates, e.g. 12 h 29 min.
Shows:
7 h 17 min
